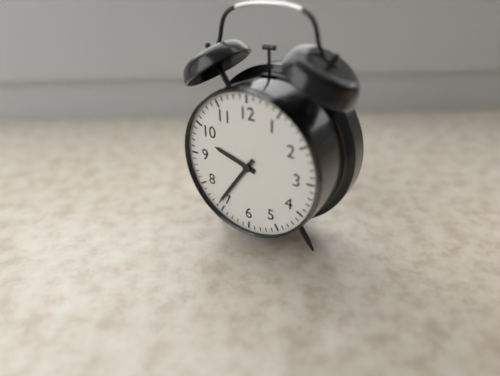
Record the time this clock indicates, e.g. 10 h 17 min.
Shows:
9 h 36 min
